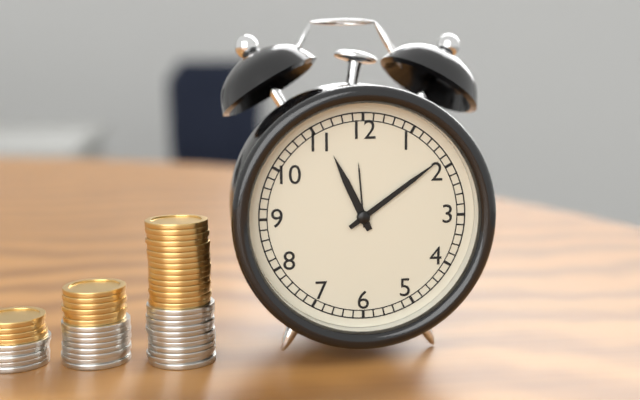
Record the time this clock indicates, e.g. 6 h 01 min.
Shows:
11 h 09 min
